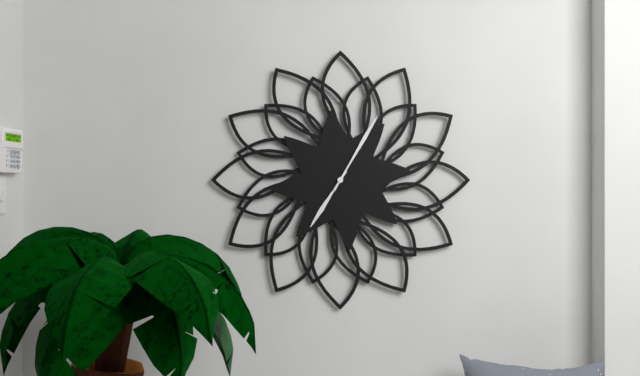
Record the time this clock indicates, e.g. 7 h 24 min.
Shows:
7 h 05 min
